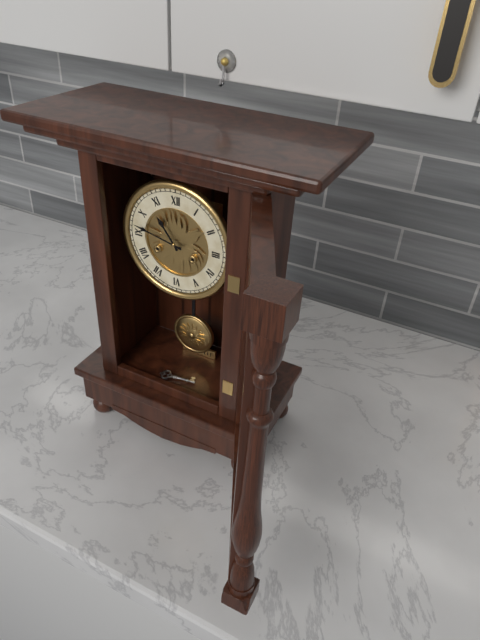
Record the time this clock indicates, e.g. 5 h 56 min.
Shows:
10 h 47 min
